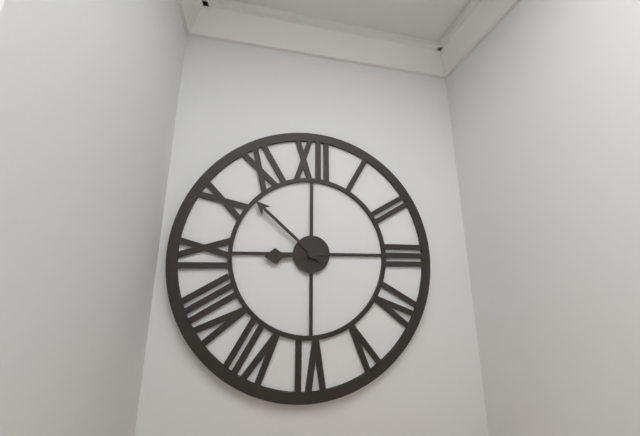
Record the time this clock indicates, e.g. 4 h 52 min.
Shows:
8 h 52 min
